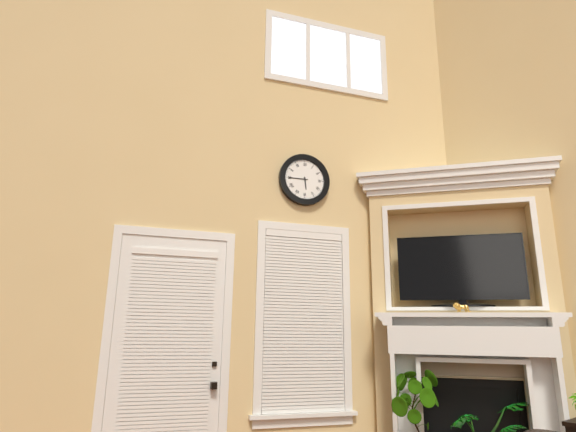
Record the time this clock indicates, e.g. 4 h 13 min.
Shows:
5 h 45 min
